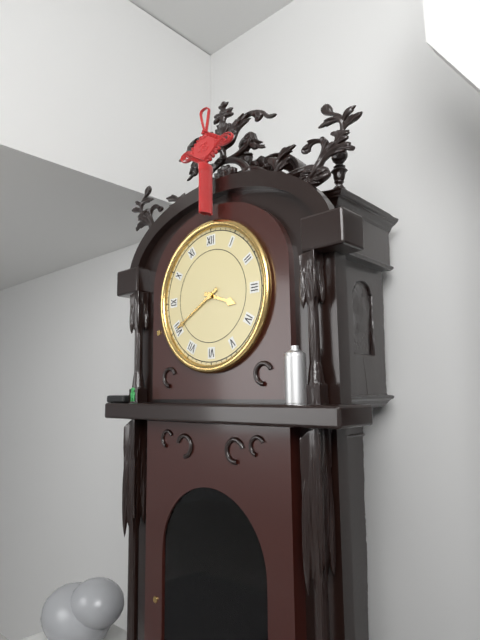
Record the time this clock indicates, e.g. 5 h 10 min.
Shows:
3 h 40 min
